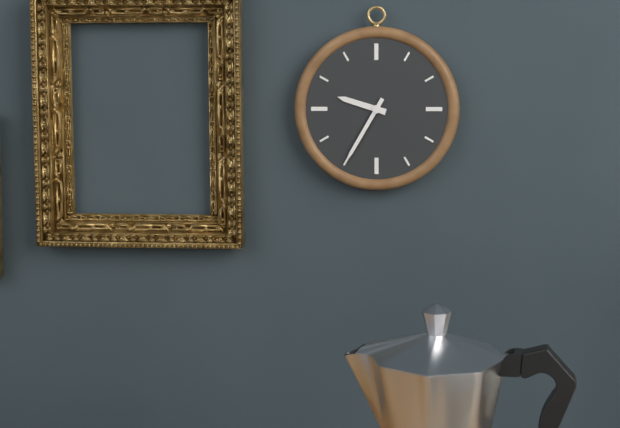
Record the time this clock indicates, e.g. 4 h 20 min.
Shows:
9 h 35 min
